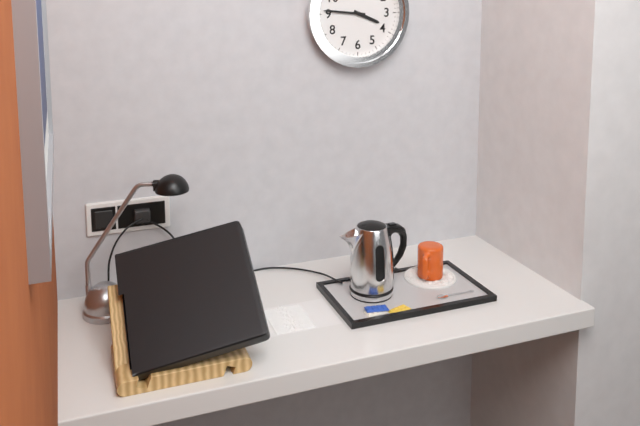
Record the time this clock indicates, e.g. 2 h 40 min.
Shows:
3 h 46 min
